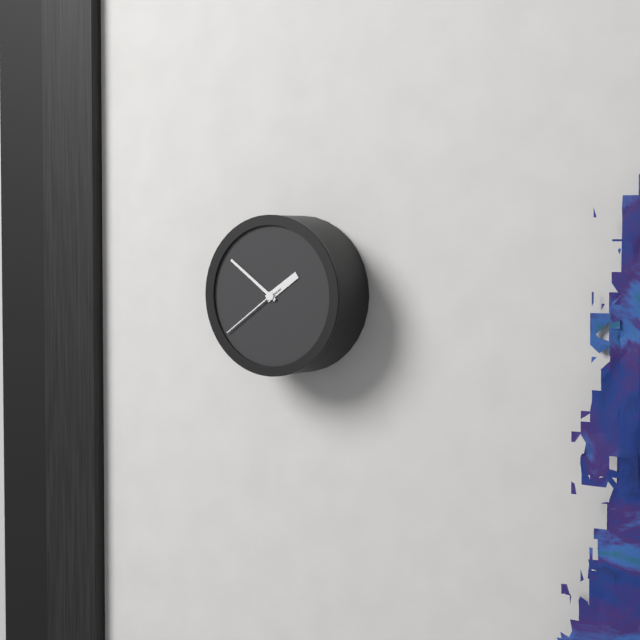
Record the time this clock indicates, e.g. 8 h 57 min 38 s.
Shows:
1 h 51 min 39 s
